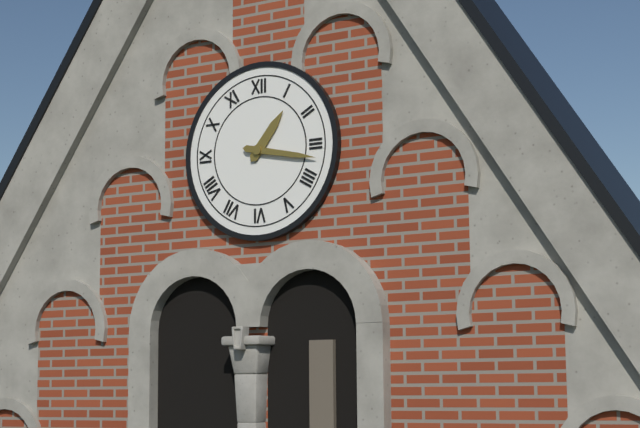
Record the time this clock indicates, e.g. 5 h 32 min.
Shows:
1 h 17 min
